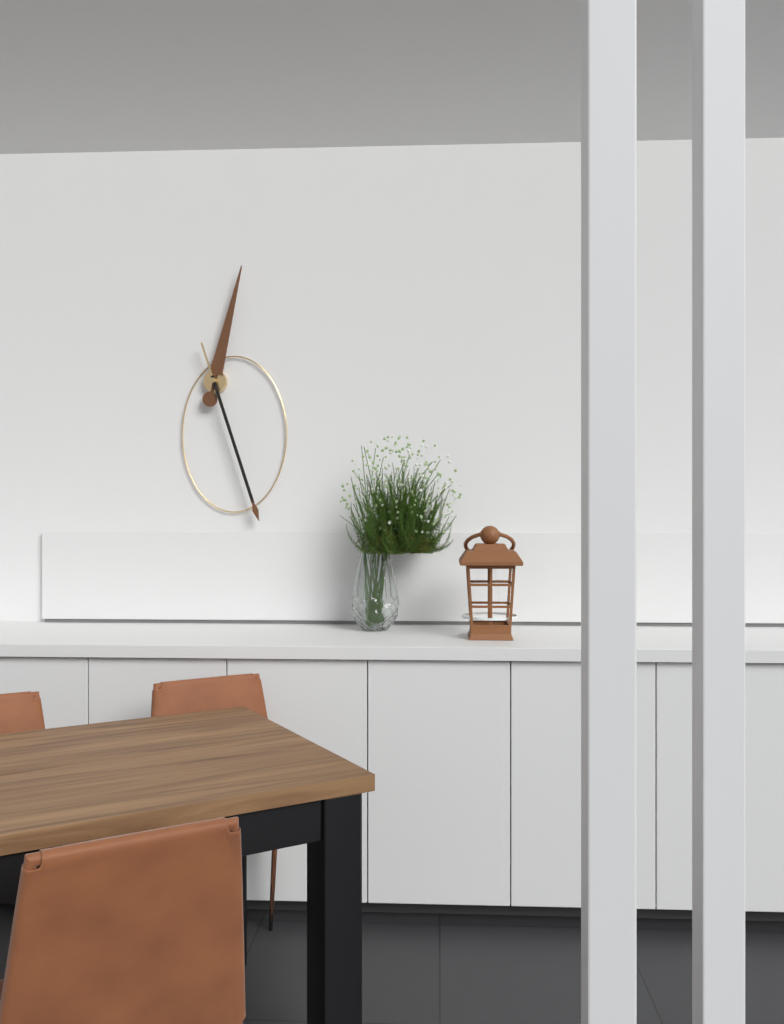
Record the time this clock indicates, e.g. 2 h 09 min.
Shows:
12 h 27 min
